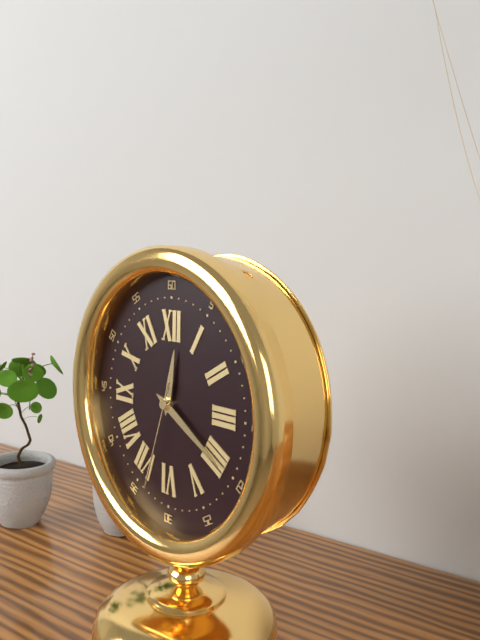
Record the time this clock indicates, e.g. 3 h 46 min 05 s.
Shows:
12 h 20 min 33 s
